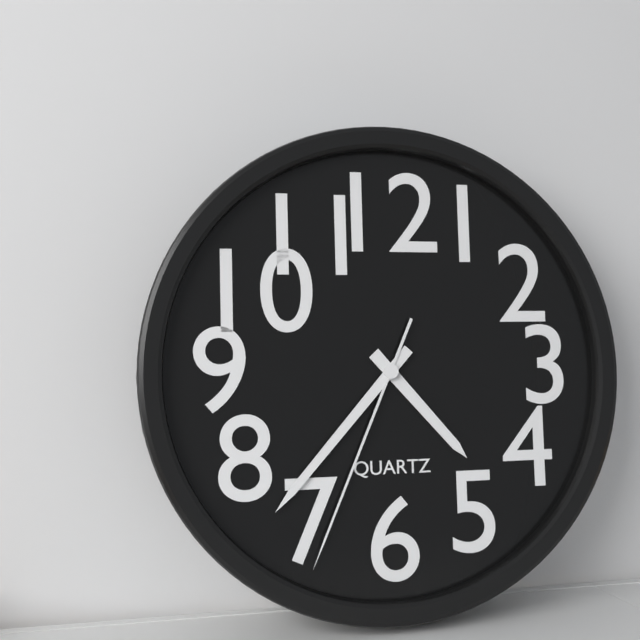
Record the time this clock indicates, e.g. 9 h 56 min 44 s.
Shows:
4 h 37 min 34 s
